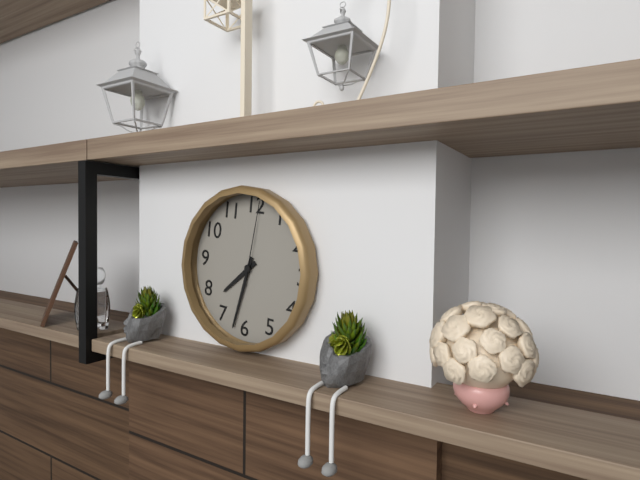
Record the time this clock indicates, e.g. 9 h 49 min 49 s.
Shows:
7 h 32 min 01 s
